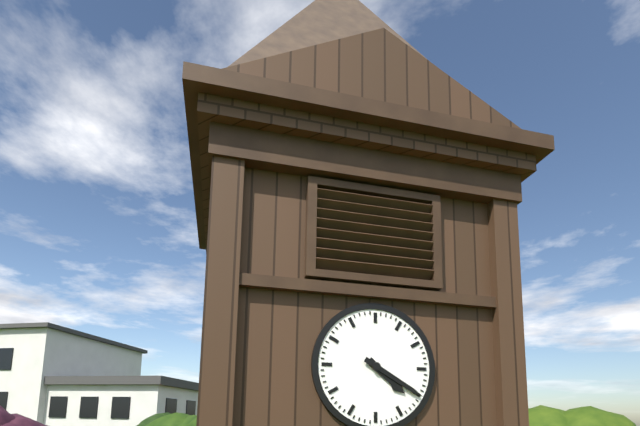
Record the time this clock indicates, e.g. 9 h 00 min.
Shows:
4 h 20 min
